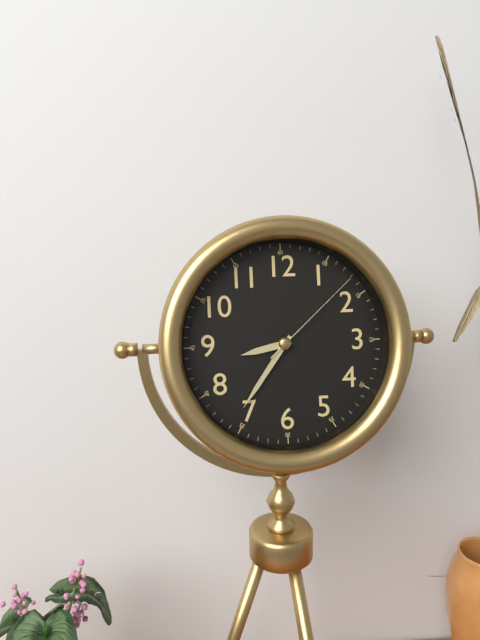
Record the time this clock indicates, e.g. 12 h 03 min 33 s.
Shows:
8 h 36 min 08 s
